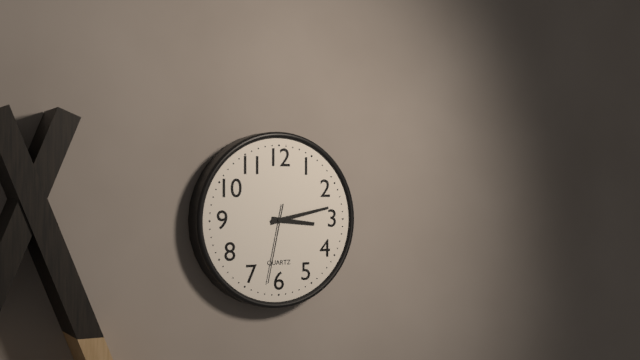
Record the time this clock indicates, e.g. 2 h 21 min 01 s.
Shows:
3 h 13 min 32 s
